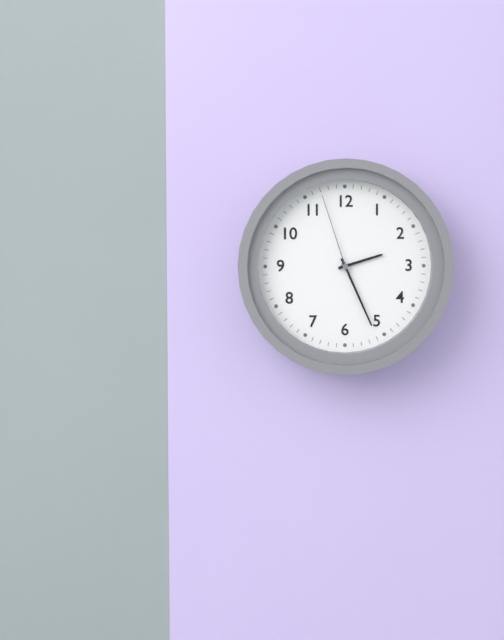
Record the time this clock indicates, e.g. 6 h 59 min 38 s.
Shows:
2 h 26 min 57 s
